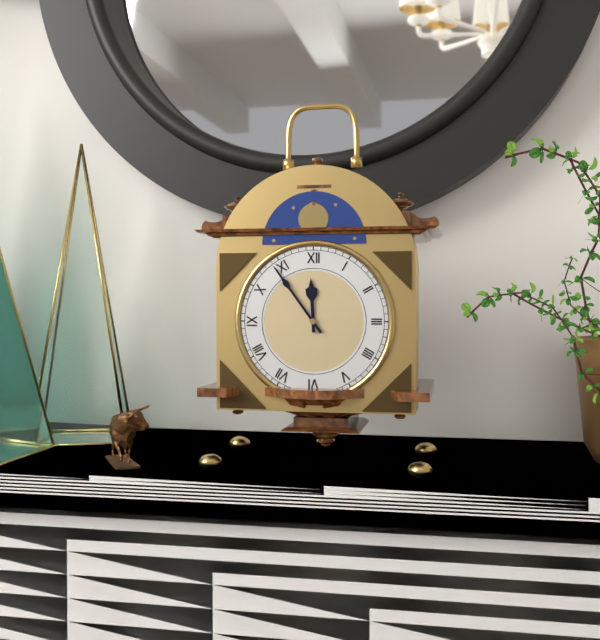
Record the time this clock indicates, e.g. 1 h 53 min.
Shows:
11 h 54 min
